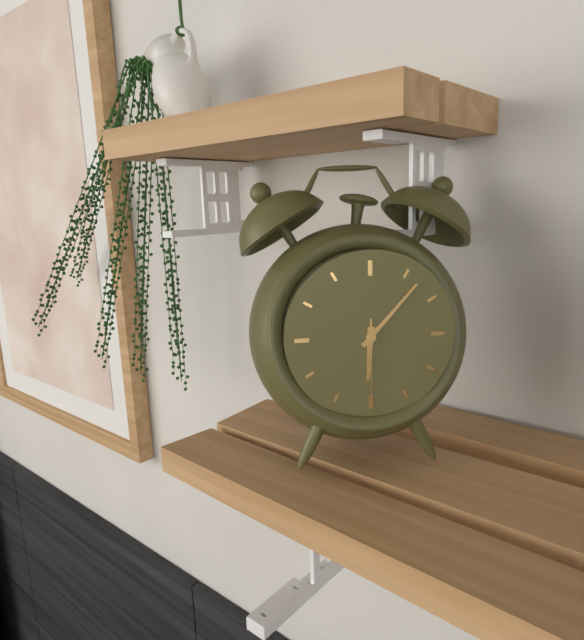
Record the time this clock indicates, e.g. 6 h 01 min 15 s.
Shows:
6 h 07 min 30 s
